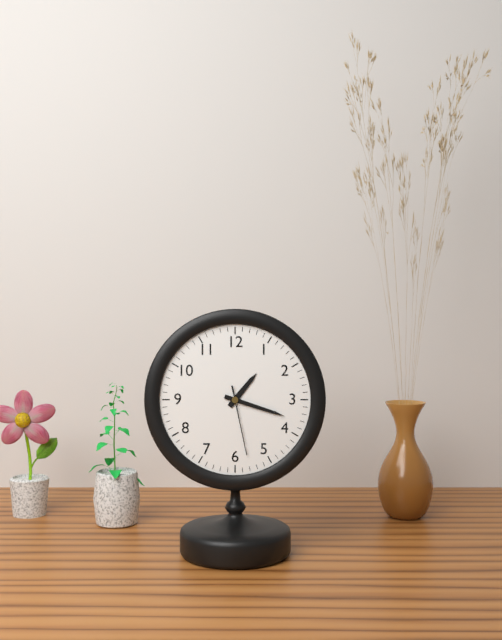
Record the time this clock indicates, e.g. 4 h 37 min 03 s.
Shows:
1 h 18 min 28 s
